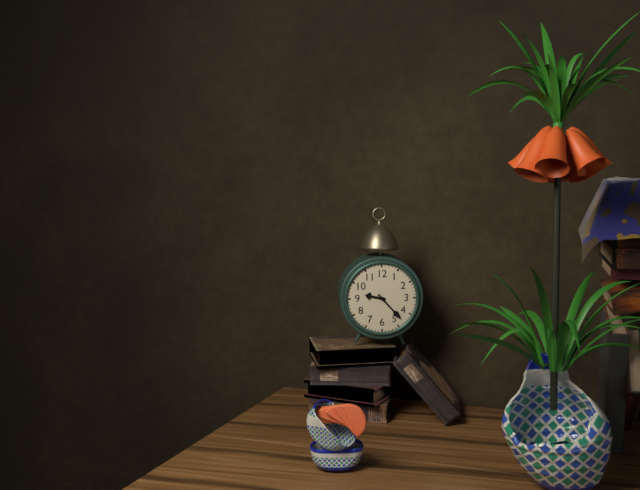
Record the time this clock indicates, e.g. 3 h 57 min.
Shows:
9 h 23 min
